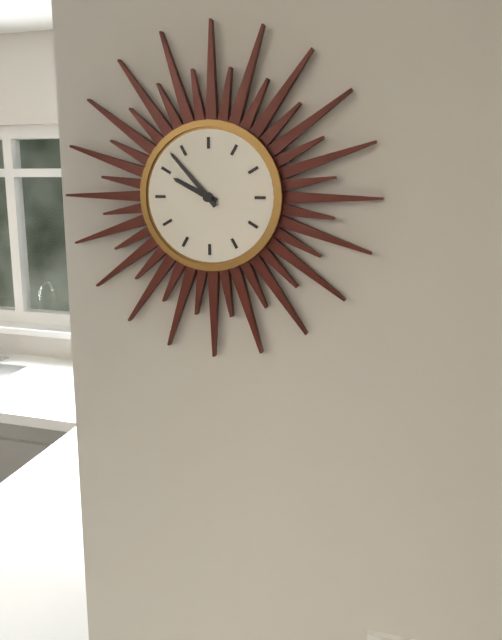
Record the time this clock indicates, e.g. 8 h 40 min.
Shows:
9 h 53 min
